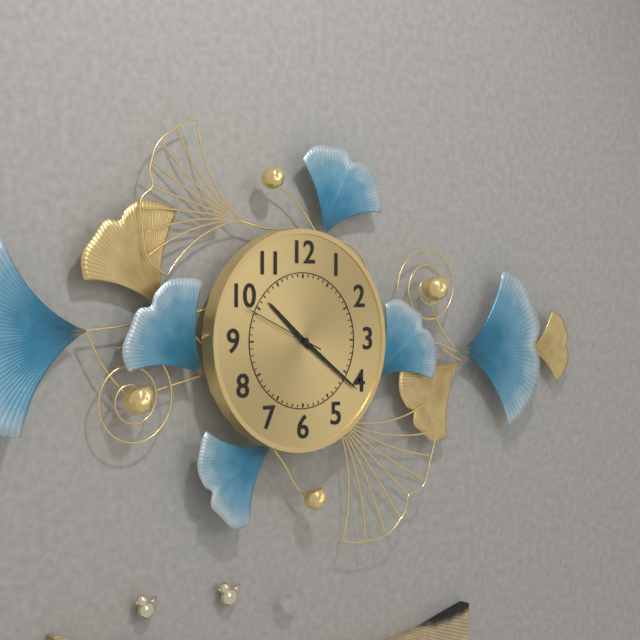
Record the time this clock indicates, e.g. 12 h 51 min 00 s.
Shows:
10 h 21 min 49 s
